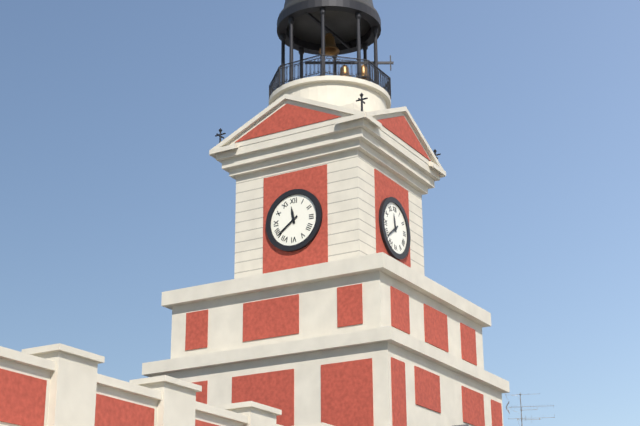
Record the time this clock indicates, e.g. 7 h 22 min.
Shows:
11 h 39 min
